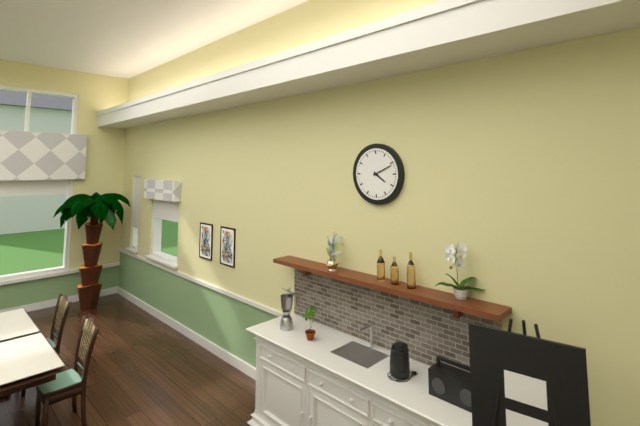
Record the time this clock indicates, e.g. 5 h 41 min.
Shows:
4 h 11 min
